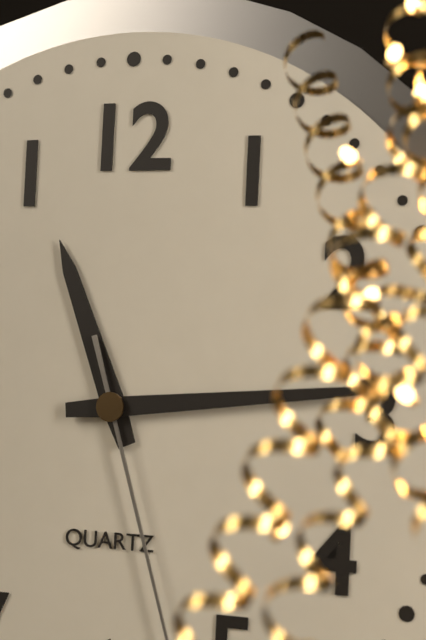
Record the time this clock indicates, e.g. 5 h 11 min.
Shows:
11 h 14 min
